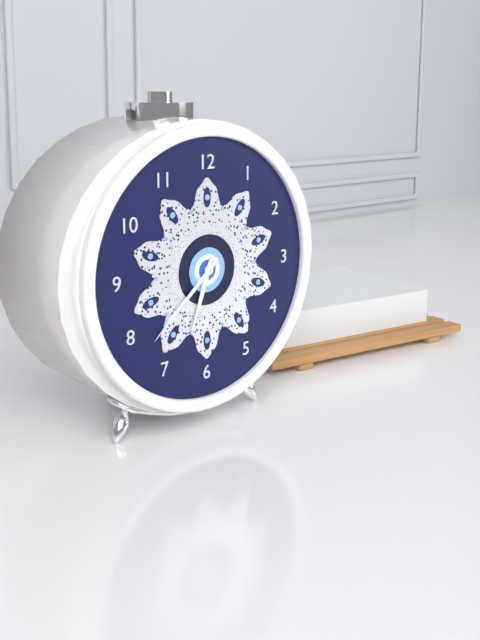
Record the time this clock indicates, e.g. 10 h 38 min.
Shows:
6 h 38 min
